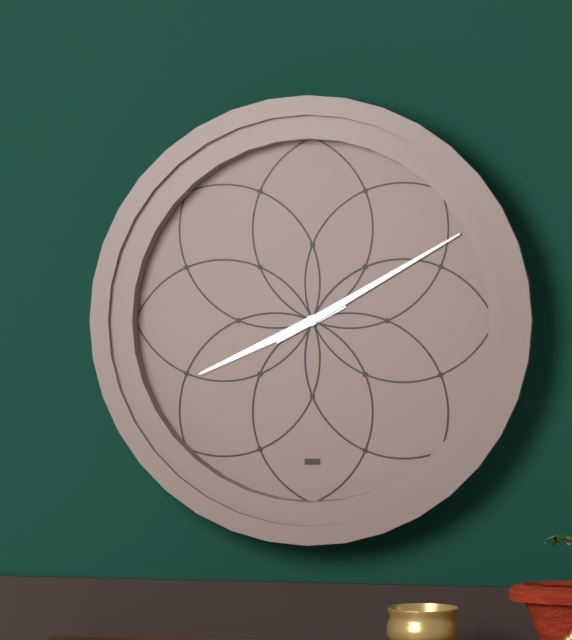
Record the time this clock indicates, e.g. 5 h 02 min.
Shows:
8 h 10 min
